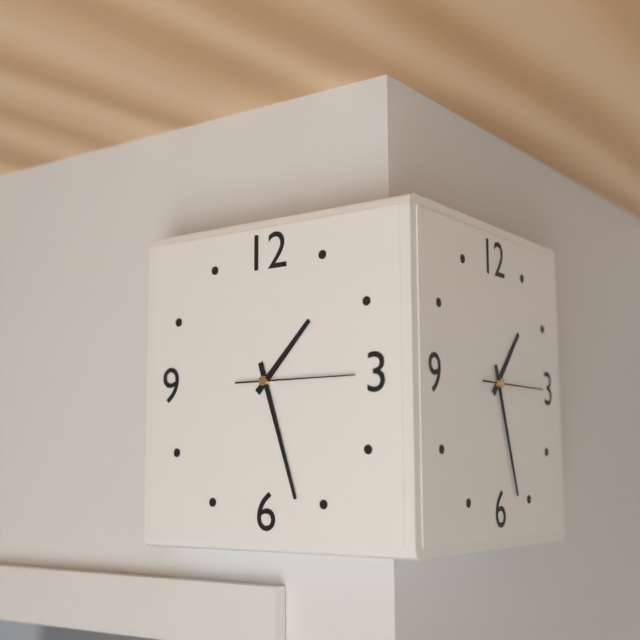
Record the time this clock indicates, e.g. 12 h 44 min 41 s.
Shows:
1 h 27 min 15 s
